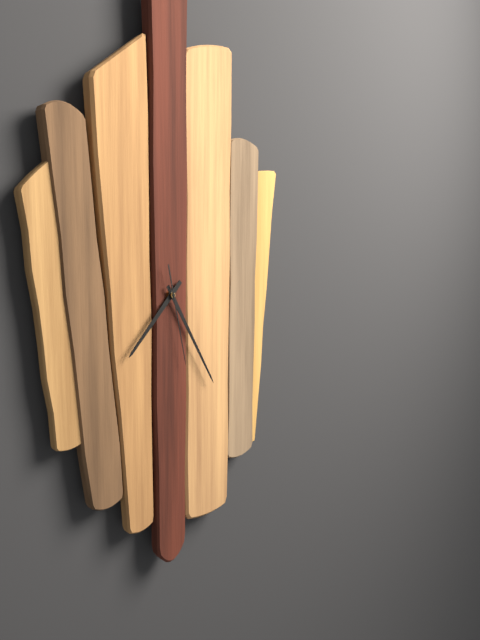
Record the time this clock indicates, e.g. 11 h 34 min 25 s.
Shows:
7 h 25 min 28 s
